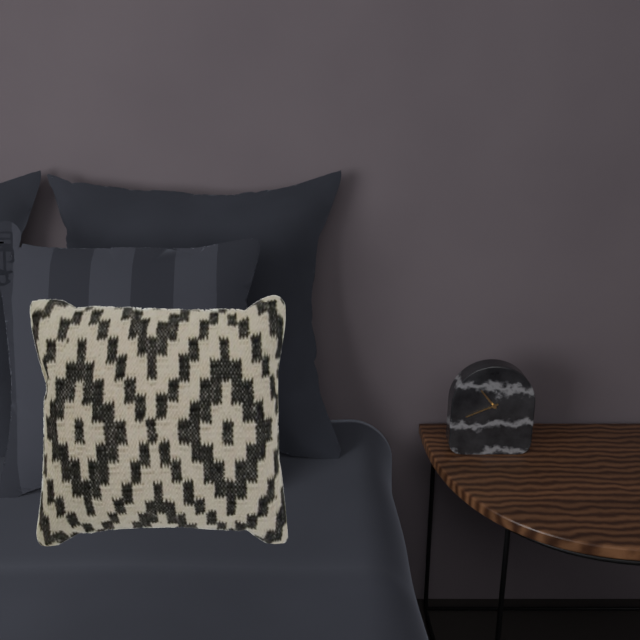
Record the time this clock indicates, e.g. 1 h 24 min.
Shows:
10 h 41 min
